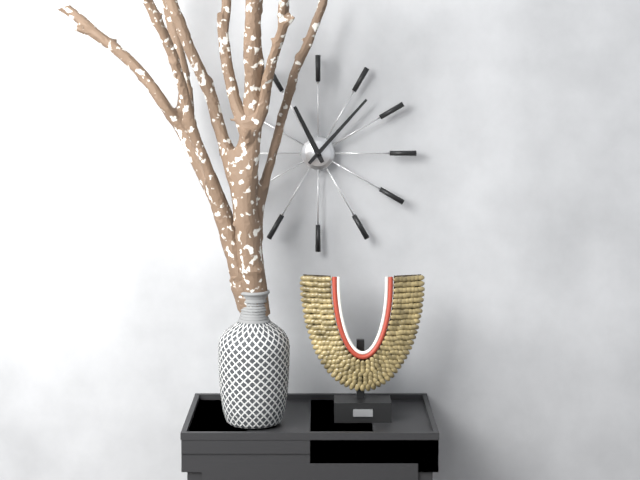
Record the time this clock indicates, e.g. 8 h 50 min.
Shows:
11 h 07 min
